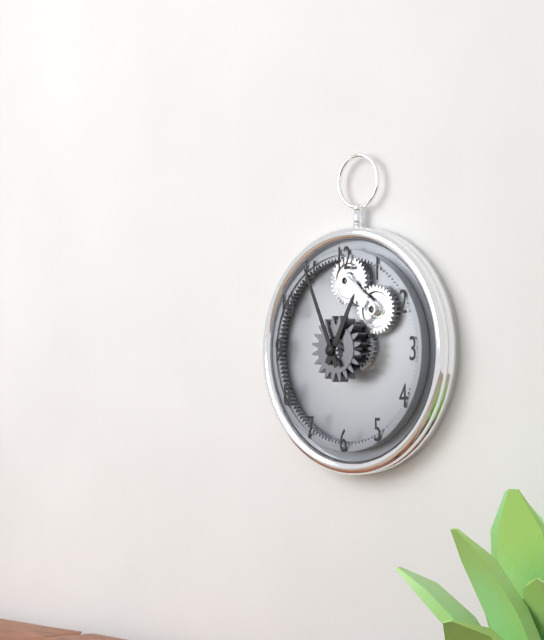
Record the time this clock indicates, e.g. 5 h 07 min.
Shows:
12 h 56 min
